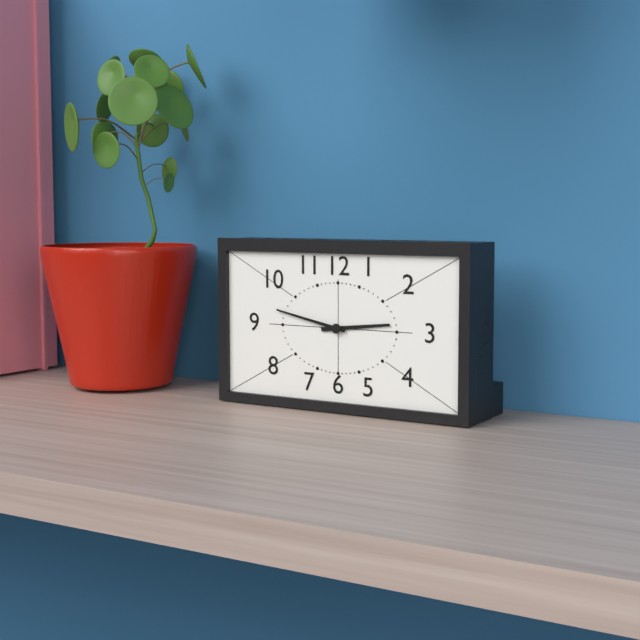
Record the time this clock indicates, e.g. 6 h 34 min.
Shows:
2 h 47 min
